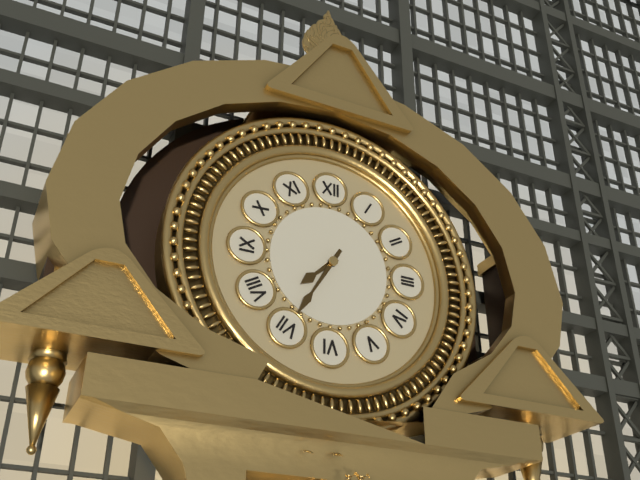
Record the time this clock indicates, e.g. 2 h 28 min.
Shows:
7 h 35 min
